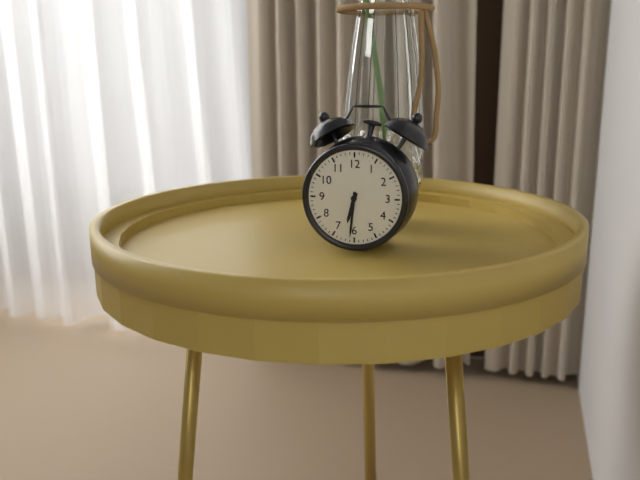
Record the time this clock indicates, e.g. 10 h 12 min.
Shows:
6 h 31 min
